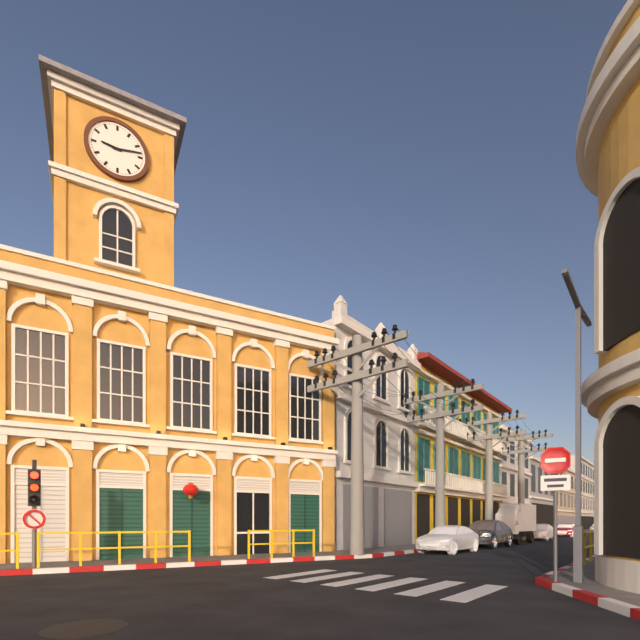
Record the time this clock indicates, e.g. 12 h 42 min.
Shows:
9 h 13 min
